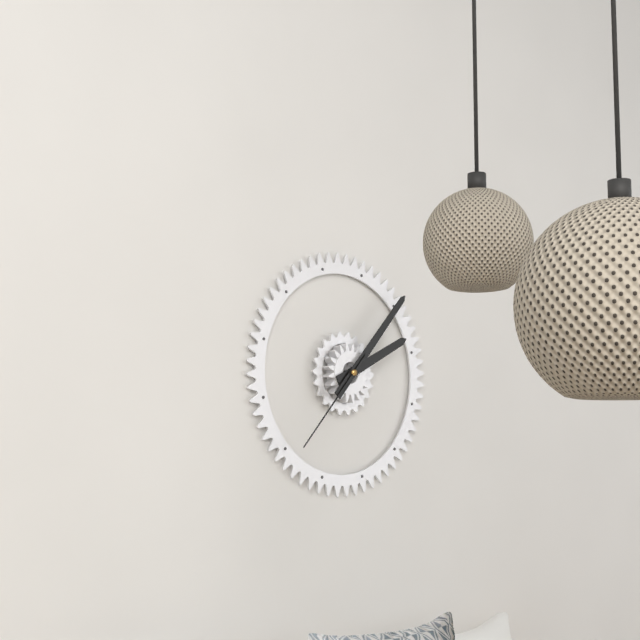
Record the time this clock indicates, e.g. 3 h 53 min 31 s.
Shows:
2 h 07 min 37 s
